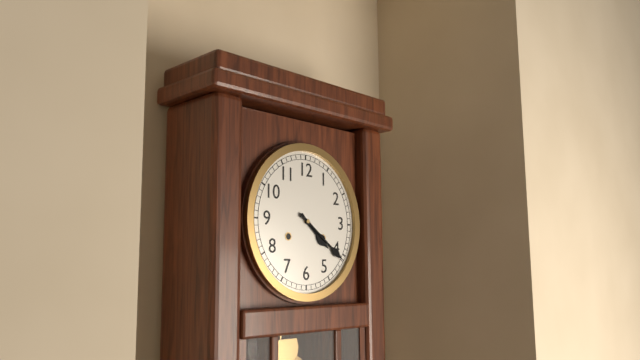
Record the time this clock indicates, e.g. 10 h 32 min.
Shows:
4 h 21 min
